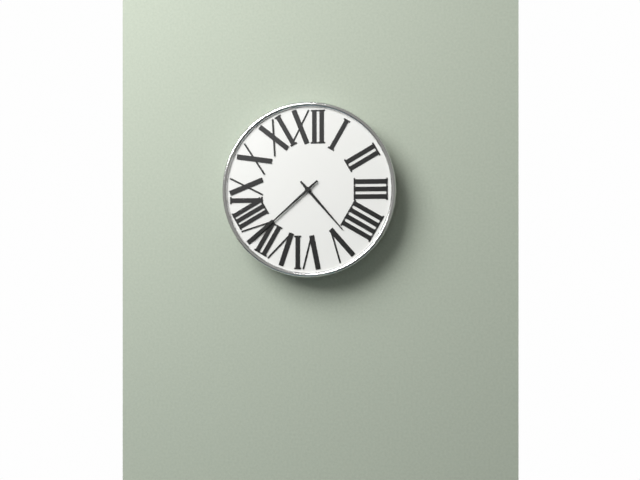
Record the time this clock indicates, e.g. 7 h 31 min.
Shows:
4 h 38 min
